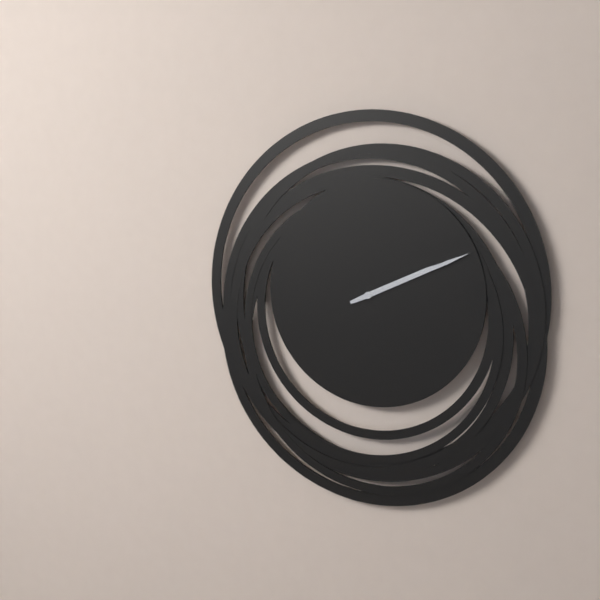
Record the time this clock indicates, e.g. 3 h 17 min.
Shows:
2 h 11 min
